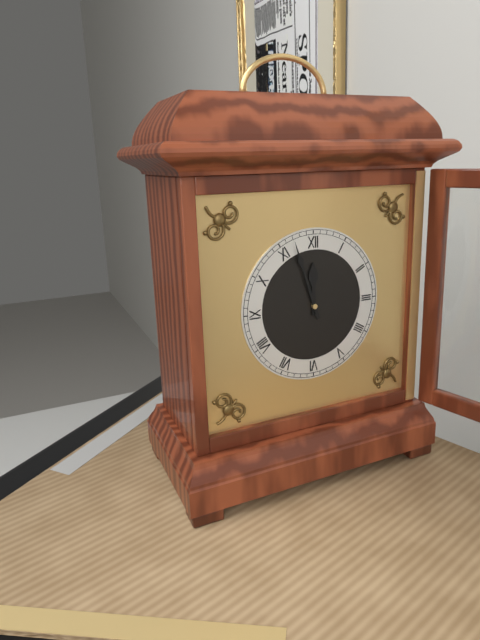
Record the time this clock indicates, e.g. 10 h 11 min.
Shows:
11 h 57 min
